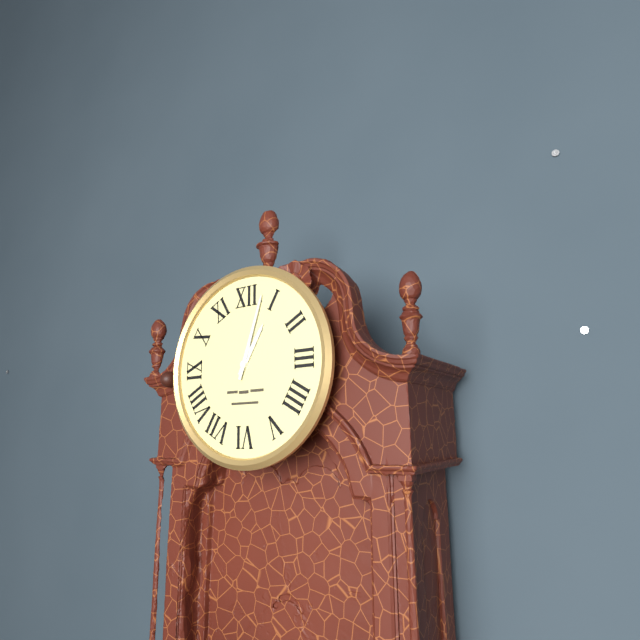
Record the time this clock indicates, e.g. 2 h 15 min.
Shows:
1 h 03 min
